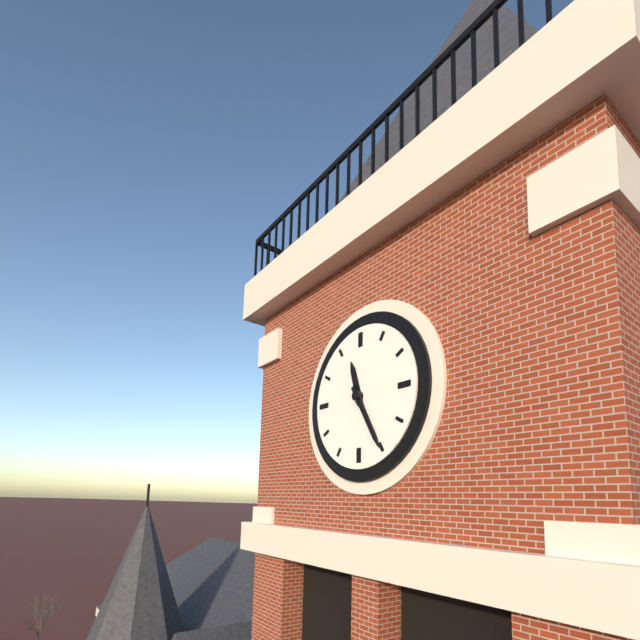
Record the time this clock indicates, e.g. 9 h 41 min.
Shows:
11 h 25 min
